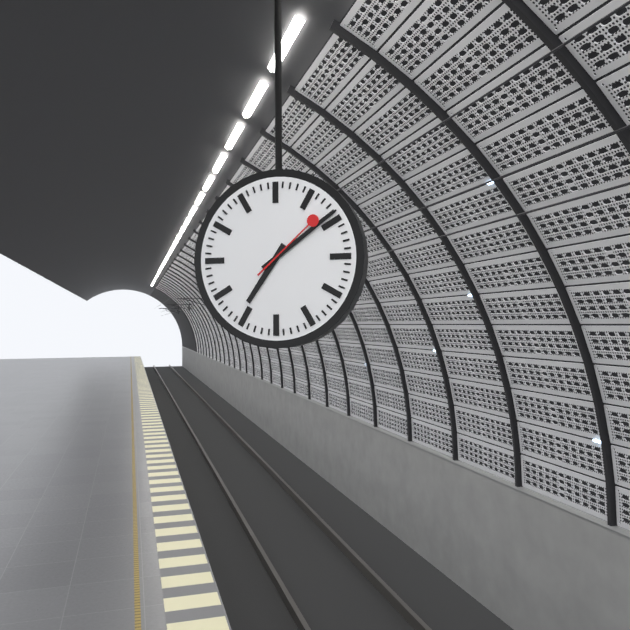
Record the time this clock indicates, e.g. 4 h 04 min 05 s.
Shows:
7 h 09 min 08 s
